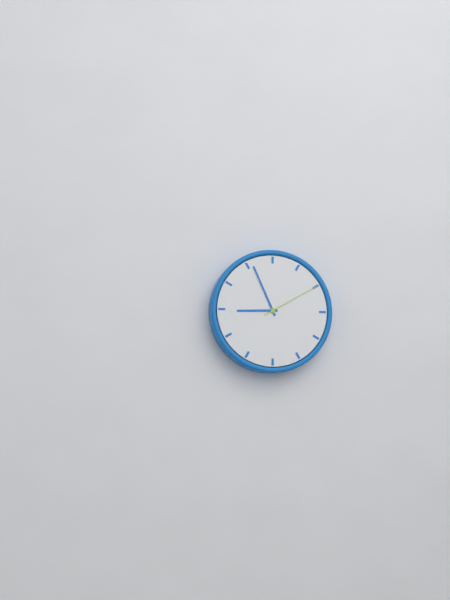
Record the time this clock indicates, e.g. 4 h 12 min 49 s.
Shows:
8 h 56 min 10 s
